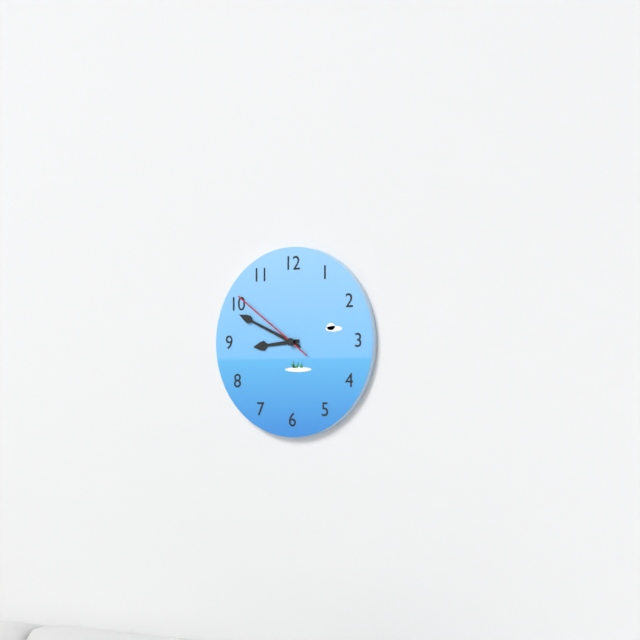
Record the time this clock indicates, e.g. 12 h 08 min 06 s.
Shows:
8 h 49 min 51 s
